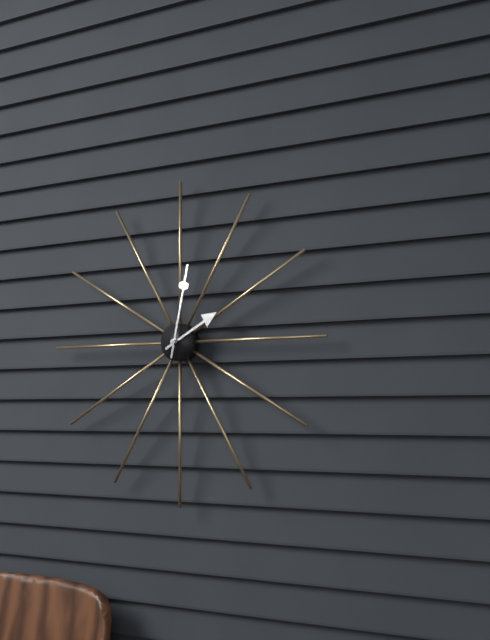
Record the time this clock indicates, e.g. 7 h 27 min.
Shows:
2 h 02 min
